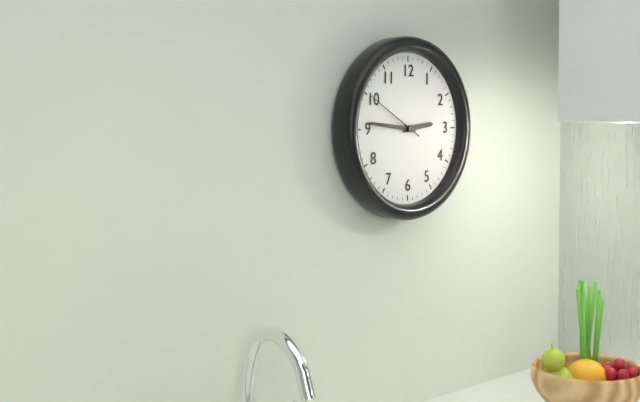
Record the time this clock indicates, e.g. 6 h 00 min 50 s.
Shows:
2 h 46 min 50 s
